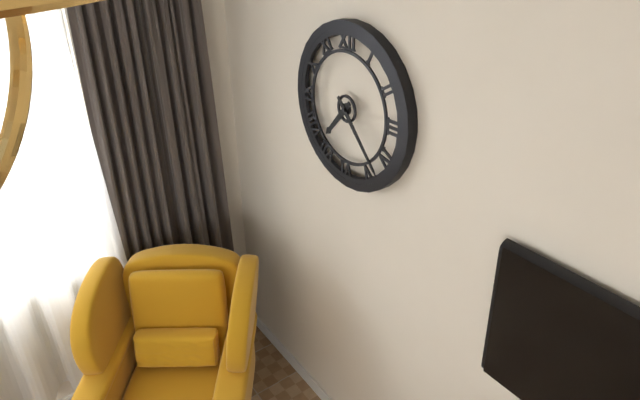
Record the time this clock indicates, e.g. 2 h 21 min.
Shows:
7 h 23 min
